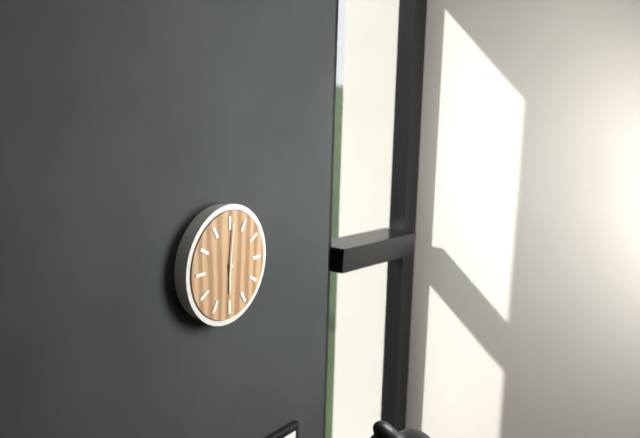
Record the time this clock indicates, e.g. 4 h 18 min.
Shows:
6 h 01 min
